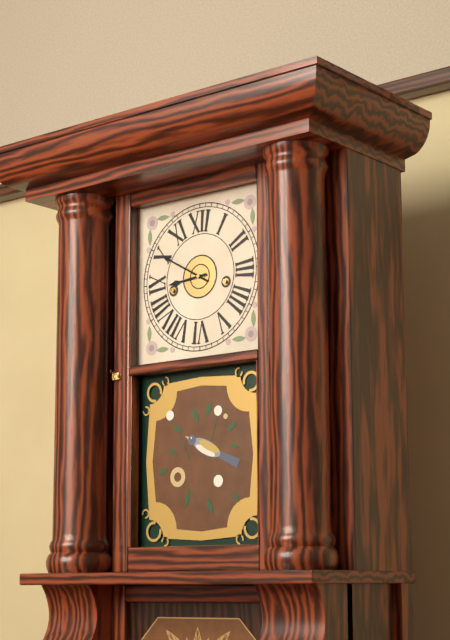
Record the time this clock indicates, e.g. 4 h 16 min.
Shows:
8 h 50 min
